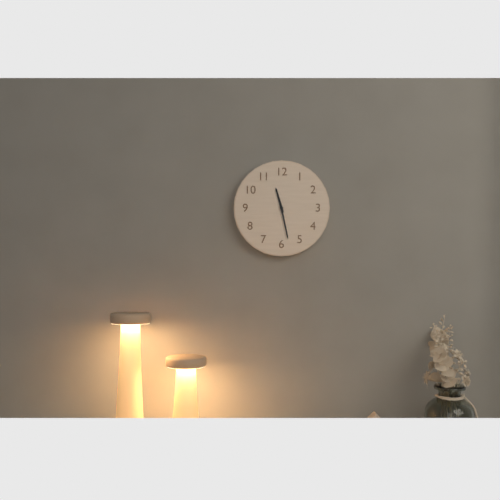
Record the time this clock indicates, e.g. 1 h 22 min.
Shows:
11 h 28 min
